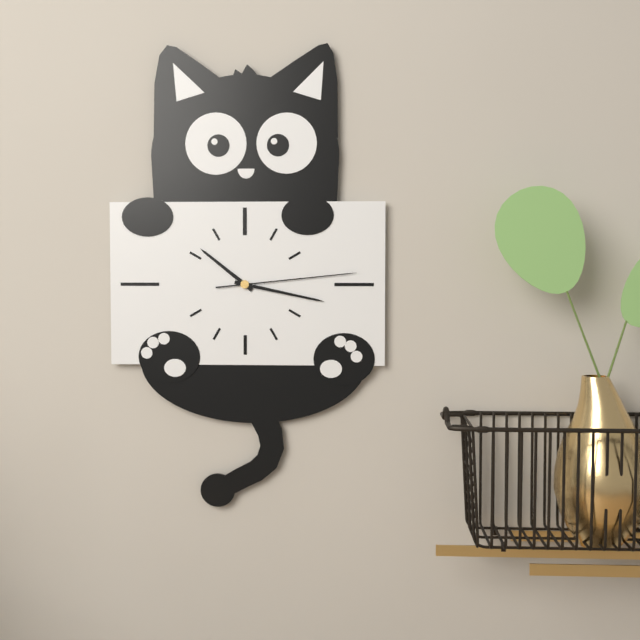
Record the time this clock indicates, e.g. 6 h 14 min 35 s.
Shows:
10 h 17 min 14 s
